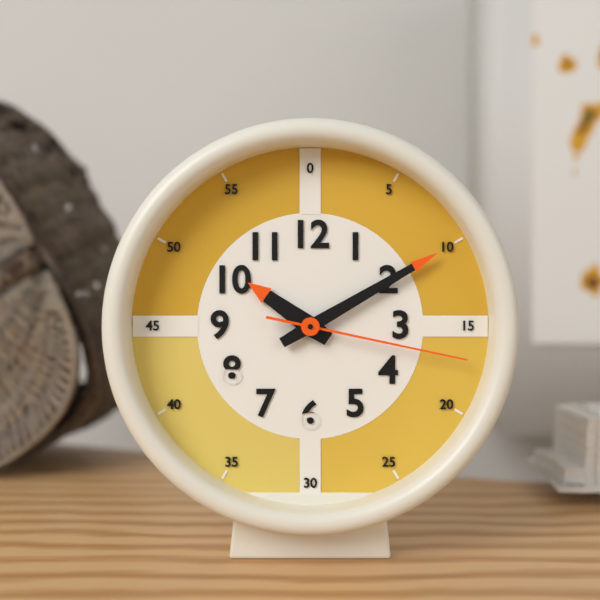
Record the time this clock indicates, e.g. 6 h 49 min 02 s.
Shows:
10 h 10 min 17 s
